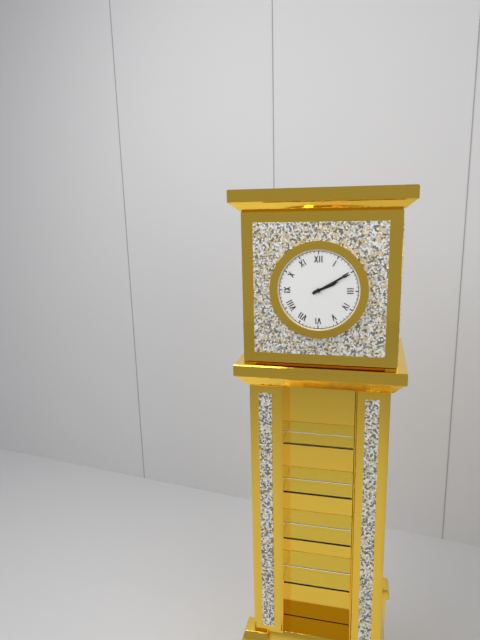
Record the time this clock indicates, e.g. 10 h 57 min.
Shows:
2 h 10 min
